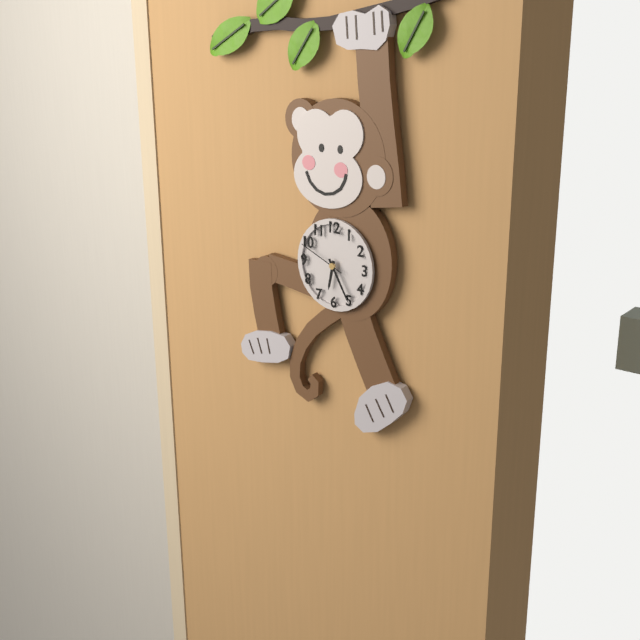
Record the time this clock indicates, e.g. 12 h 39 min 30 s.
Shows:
6 h 25 min 49 s
